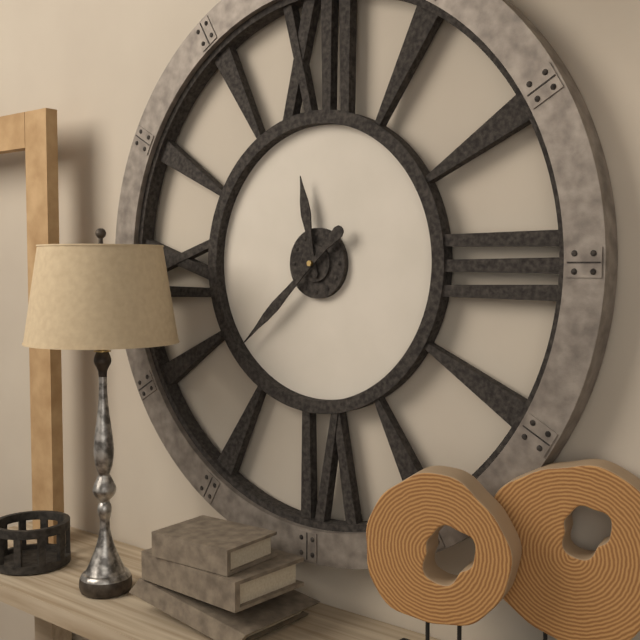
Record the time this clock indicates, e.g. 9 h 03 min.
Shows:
11 h 38 min
